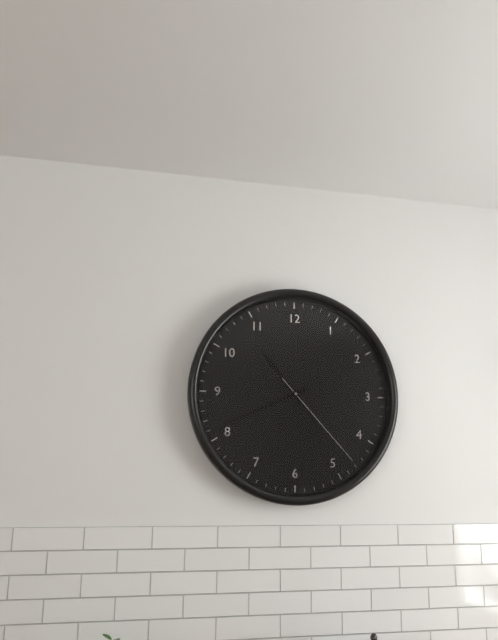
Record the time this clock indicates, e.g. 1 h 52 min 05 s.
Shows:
10 h 41 min 23 s
